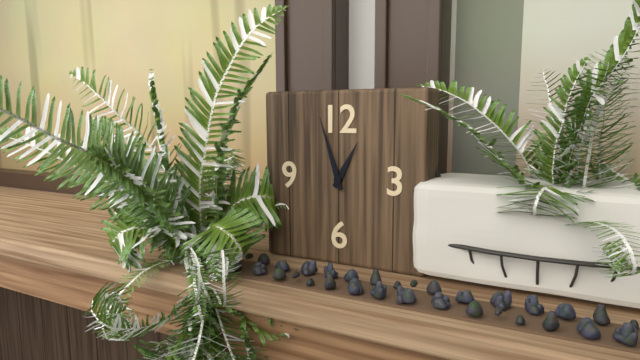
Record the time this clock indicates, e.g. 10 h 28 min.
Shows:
12 h 57 min
